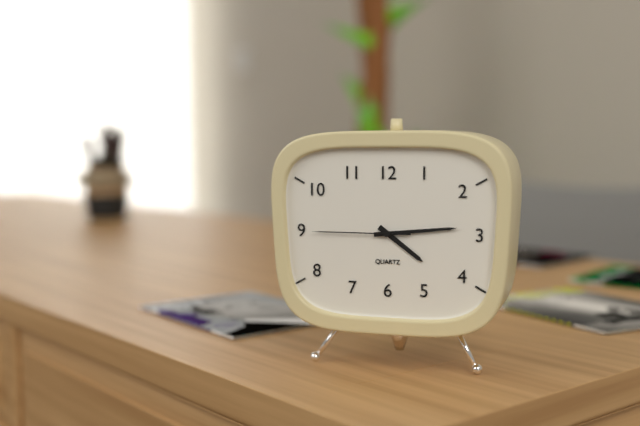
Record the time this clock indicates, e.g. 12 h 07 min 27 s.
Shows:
4 h 14 min 45 s
